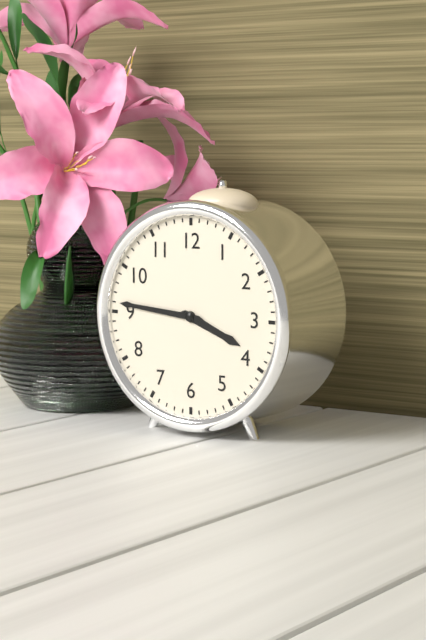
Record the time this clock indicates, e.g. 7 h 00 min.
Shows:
3 h 46 min
